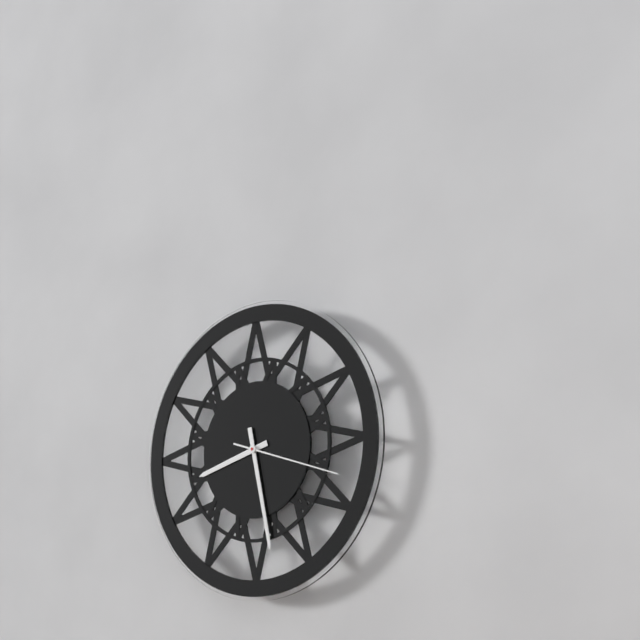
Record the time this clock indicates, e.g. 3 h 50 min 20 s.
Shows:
8 h 28 min 18 s
